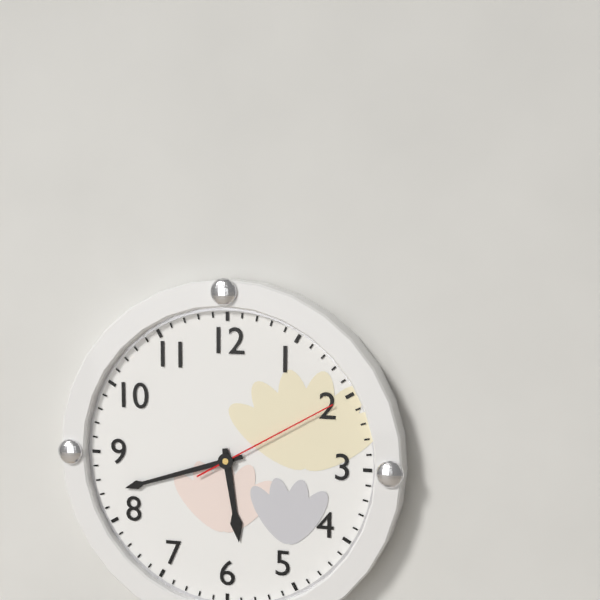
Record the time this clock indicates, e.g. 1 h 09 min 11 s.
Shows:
5 h 42 min 10 s
